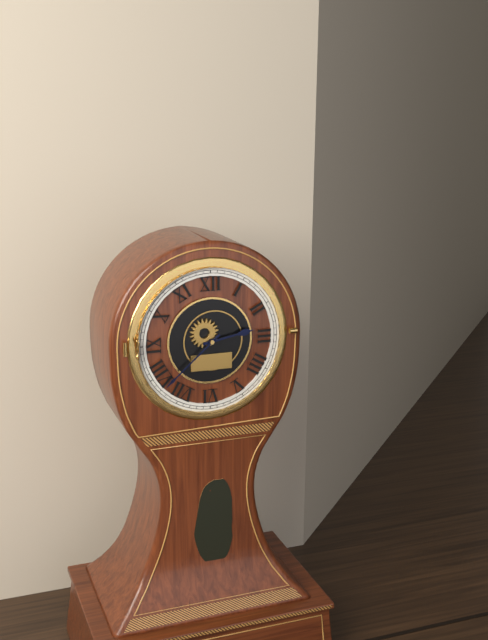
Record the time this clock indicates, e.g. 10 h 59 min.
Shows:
2 h 38 min
